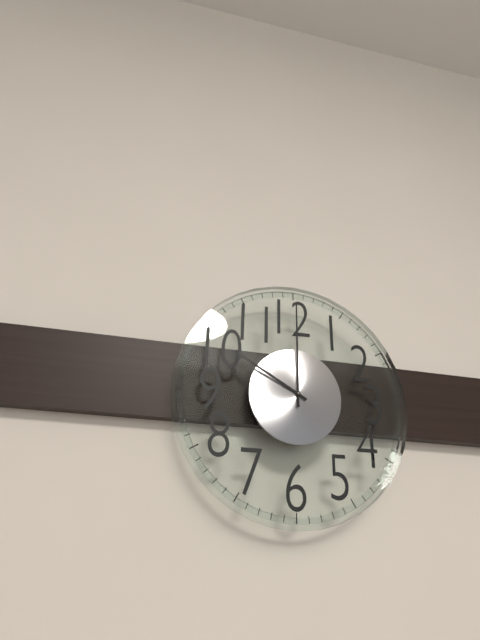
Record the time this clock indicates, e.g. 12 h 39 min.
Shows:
10 h 00 min
